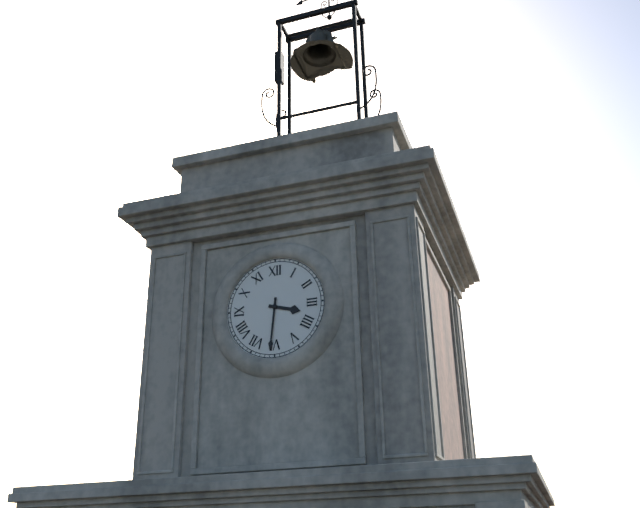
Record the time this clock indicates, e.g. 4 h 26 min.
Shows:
3 h 31 min
